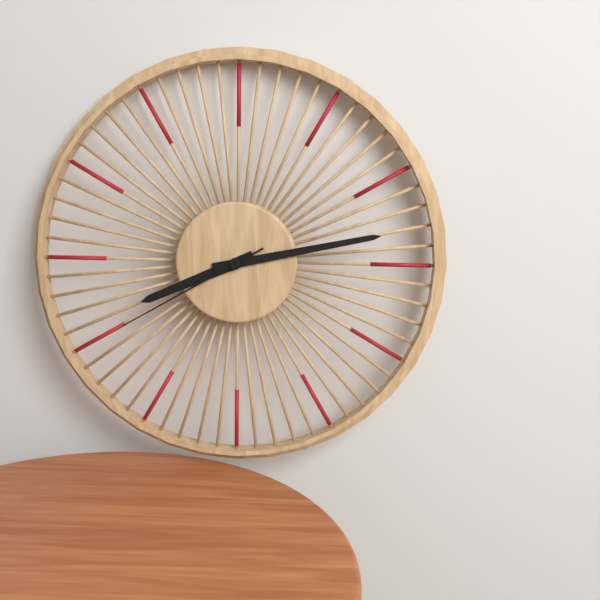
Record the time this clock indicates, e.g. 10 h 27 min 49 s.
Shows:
8 h 13 min 40 s
